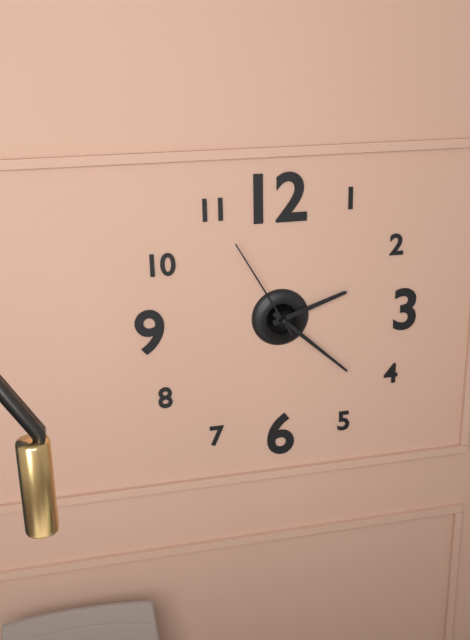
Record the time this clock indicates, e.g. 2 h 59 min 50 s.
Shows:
2 h 22 min 55 s
